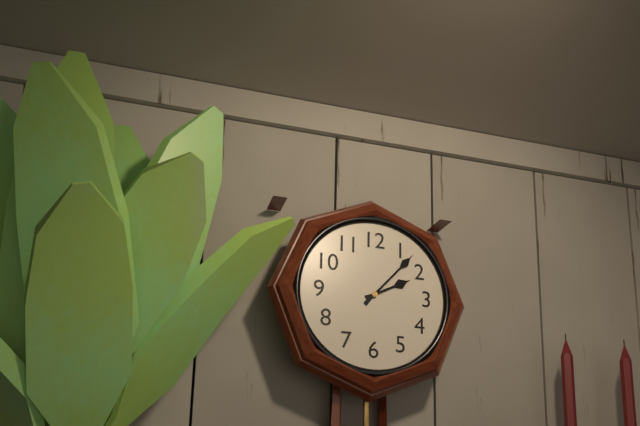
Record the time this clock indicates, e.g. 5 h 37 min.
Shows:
2 h 07 min
